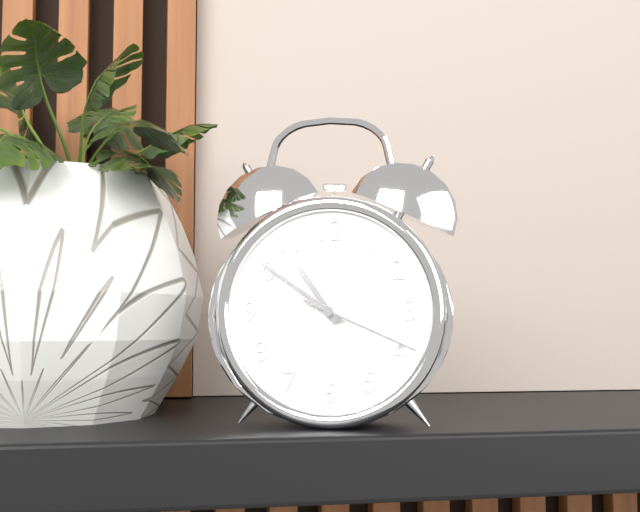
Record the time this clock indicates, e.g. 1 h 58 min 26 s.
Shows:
10 h 51 min 19 s
